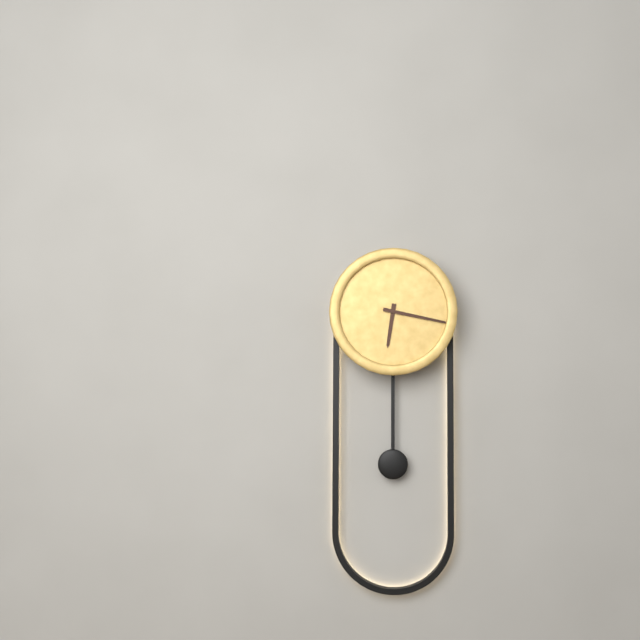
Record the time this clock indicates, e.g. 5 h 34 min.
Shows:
6 h 17 min
